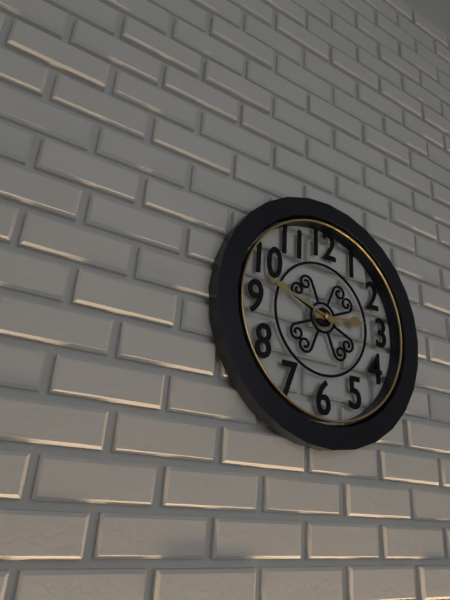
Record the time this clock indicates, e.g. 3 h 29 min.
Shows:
2 h 48 min
